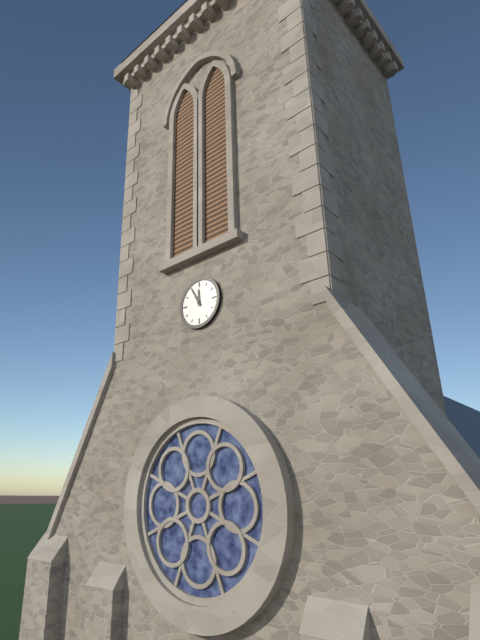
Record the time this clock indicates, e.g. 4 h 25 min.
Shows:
11 h 55 min
